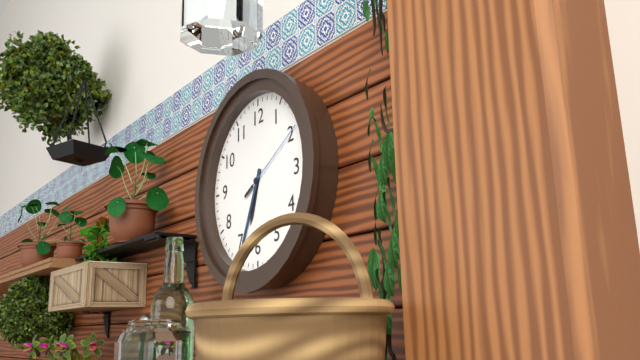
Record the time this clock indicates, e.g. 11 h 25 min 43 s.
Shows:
6 h 34 min 10 s
